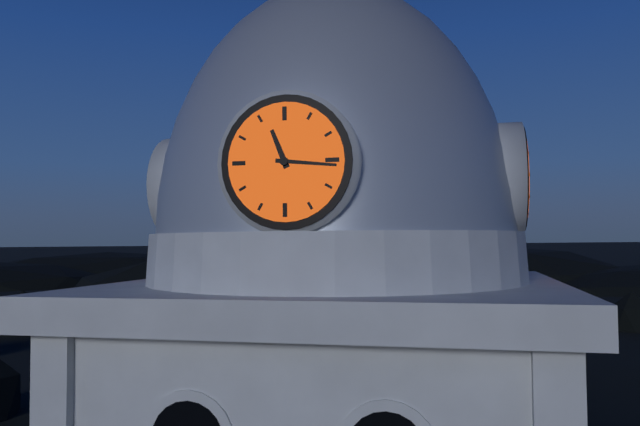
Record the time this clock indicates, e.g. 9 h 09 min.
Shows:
11 h 16 min
